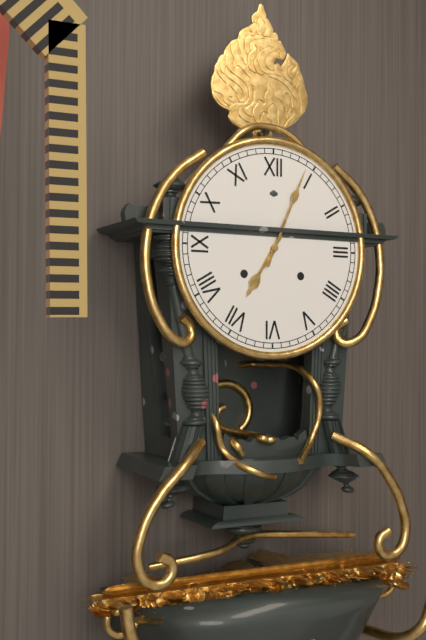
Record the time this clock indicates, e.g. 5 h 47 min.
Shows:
7 h 04 min
